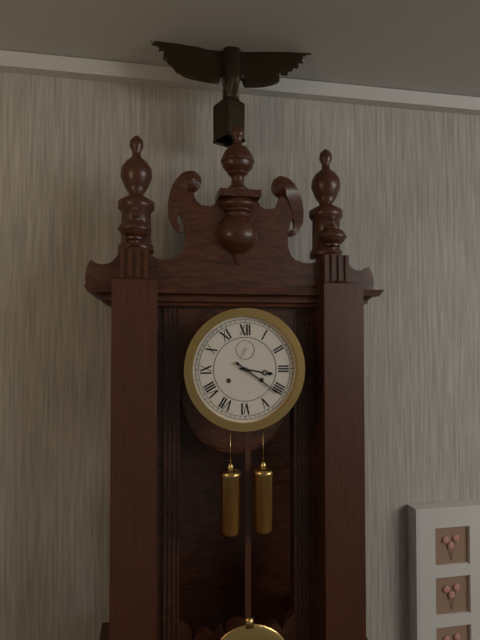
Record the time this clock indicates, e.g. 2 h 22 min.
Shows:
3 h 21 min
